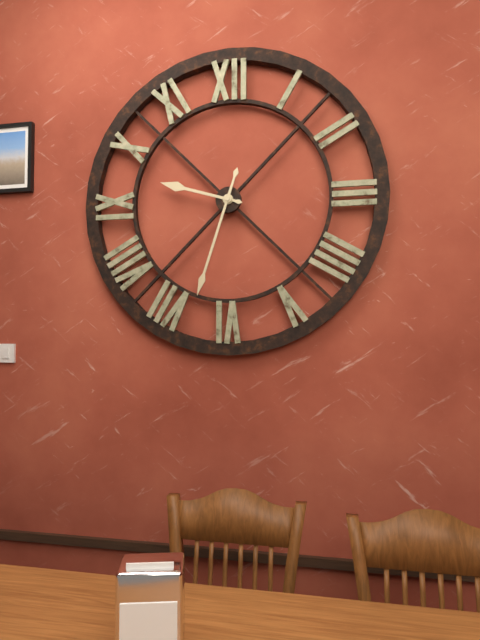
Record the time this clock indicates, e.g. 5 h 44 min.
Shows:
9 h 33 min
